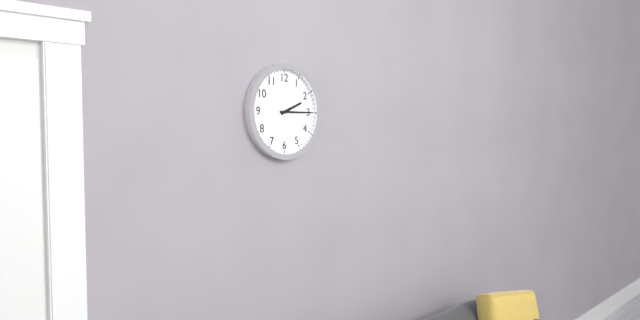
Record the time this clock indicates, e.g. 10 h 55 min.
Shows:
2 h 15 min
